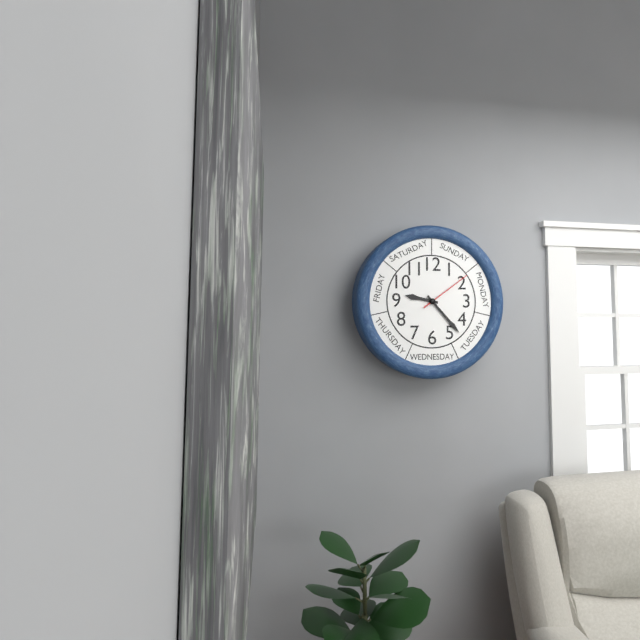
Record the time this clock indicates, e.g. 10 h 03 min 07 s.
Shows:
9 h 23 min 09 s
